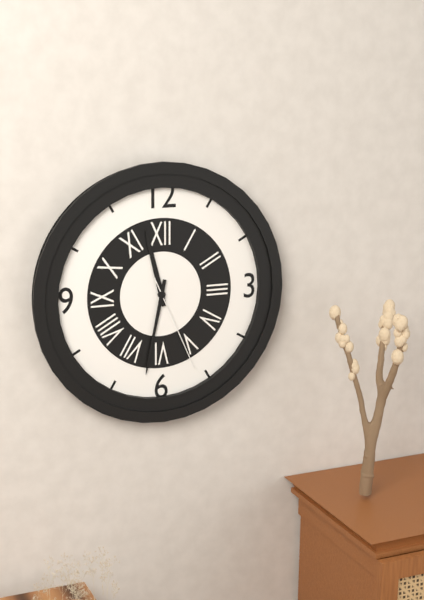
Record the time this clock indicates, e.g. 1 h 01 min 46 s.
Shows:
11 h 32 min 26 s
